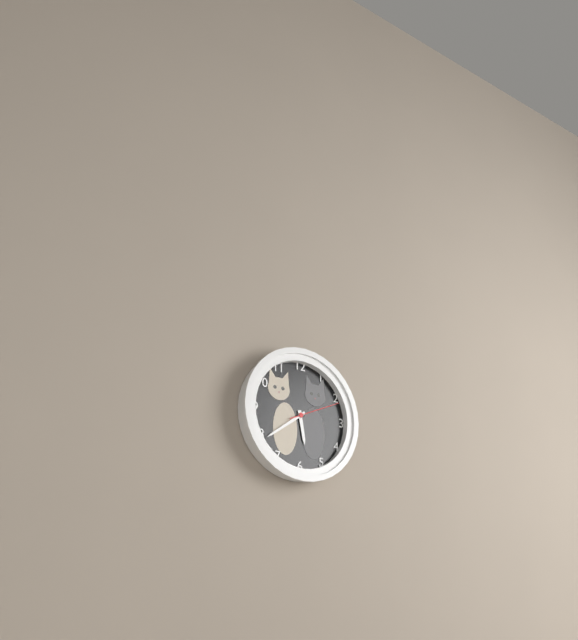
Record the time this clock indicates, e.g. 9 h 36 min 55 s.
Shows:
5 h 39 min 11 s
